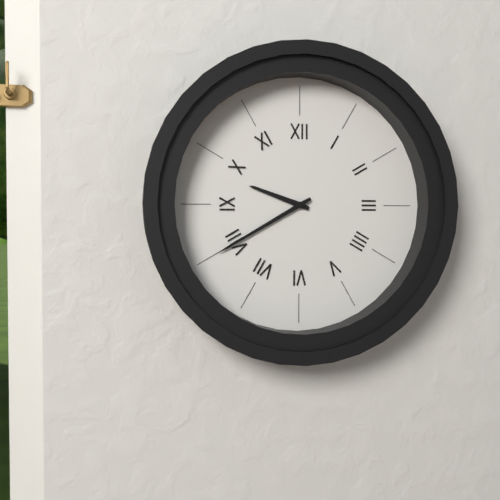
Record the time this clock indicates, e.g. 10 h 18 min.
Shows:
9 h 40 min
